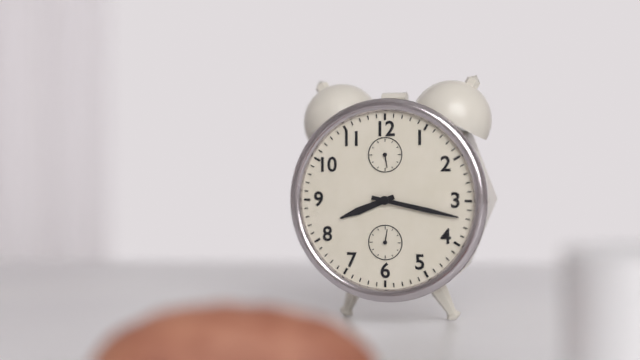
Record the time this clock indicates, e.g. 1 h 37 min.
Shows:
8 h 17 min
